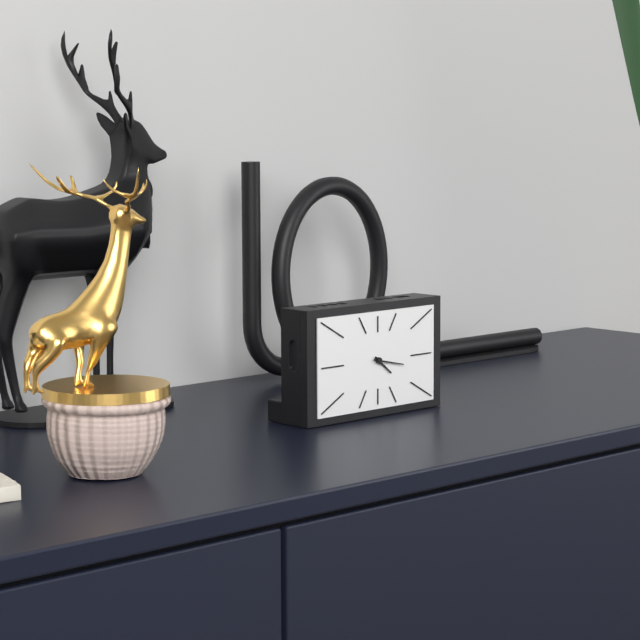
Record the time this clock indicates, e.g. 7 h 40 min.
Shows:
4 h 17 min
